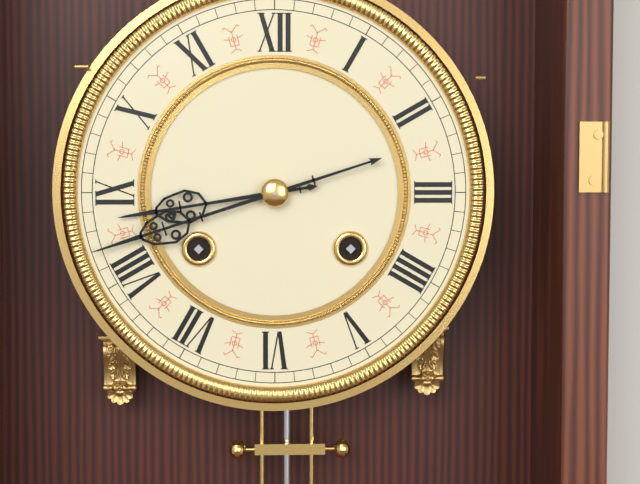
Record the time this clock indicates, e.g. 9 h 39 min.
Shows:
8 h 42 min
